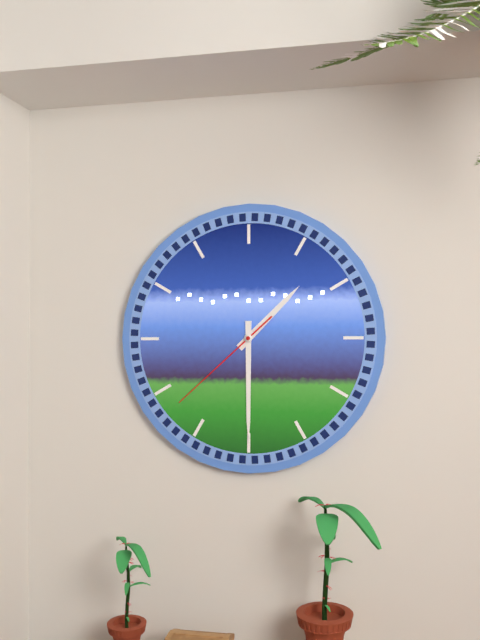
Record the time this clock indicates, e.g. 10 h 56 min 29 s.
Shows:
1 h 30 min 38 s
